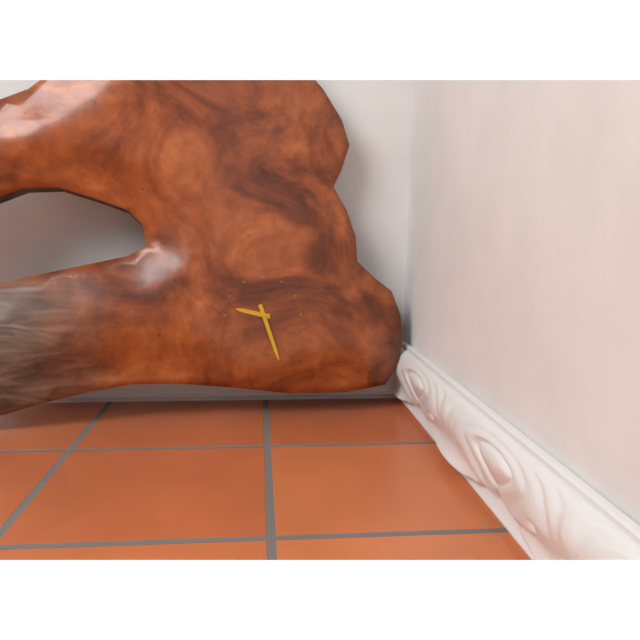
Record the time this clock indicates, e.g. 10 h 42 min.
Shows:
9 h 27 min
